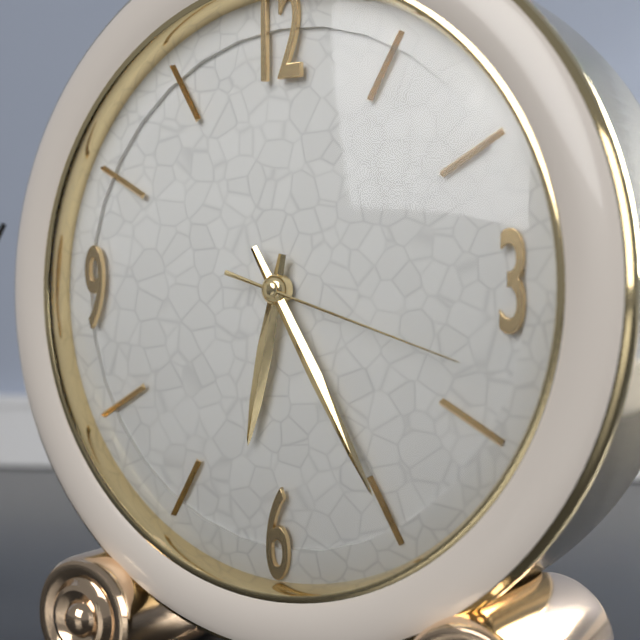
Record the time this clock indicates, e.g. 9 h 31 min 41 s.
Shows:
6 h 25 min 18 s
